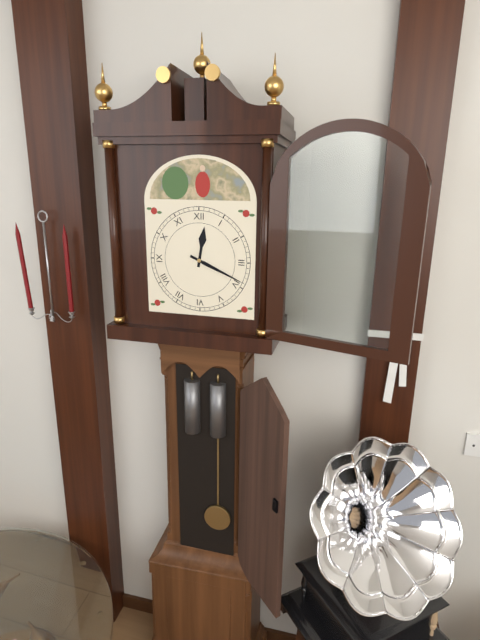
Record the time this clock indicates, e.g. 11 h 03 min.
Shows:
12 h 19 min
